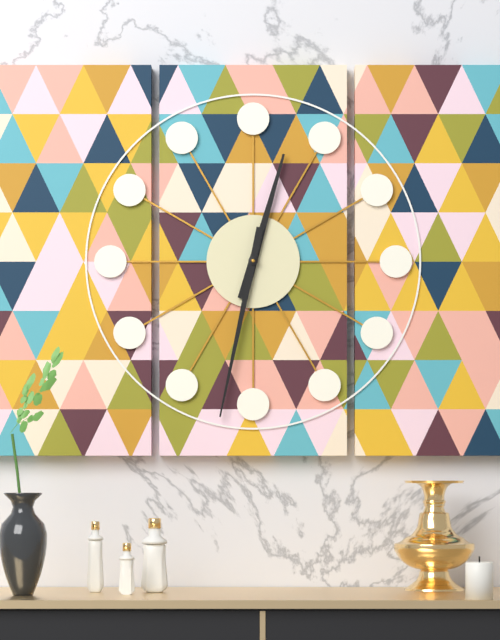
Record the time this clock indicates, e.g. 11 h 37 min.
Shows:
12 h 32 min
